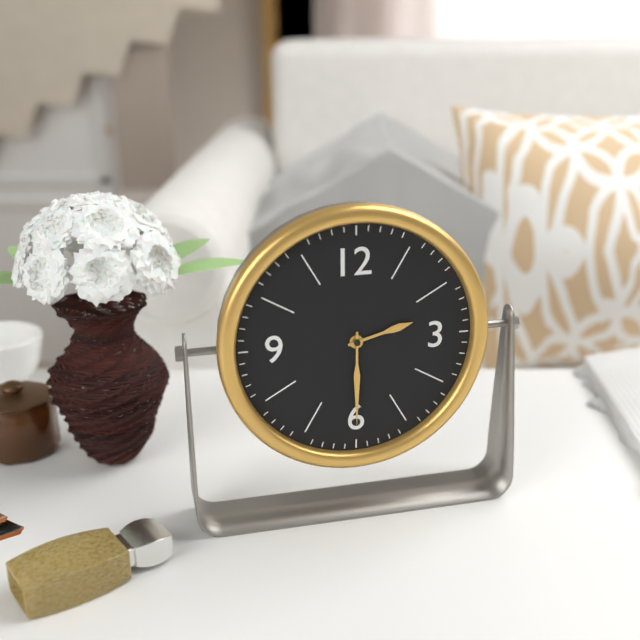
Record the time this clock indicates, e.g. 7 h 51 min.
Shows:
2 h 30 min
